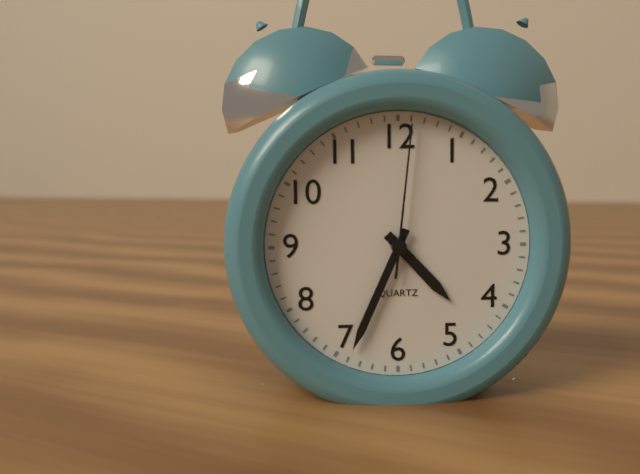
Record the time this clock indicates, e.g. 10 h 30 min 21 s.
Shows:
4 h 34 min 01 s
